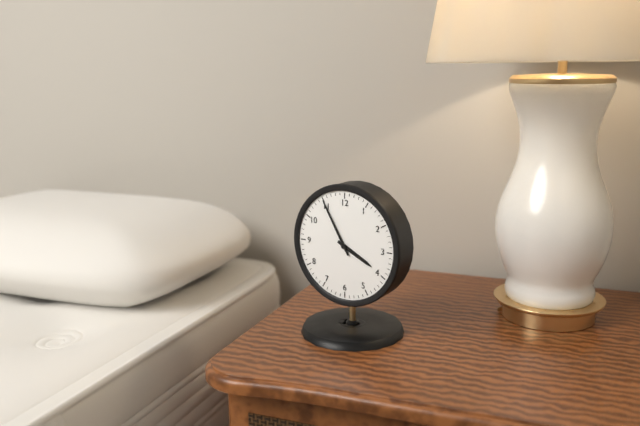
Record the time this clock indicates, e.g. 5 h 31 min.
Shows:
3 h 55 min
